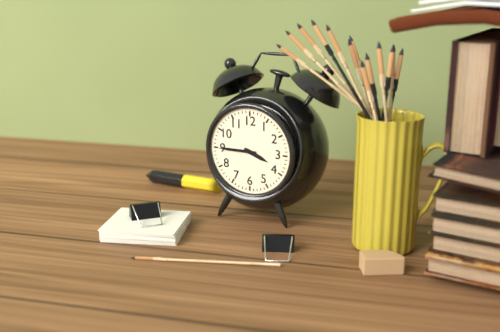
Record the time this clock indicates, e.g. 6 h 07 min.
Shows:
3 h 45 min
